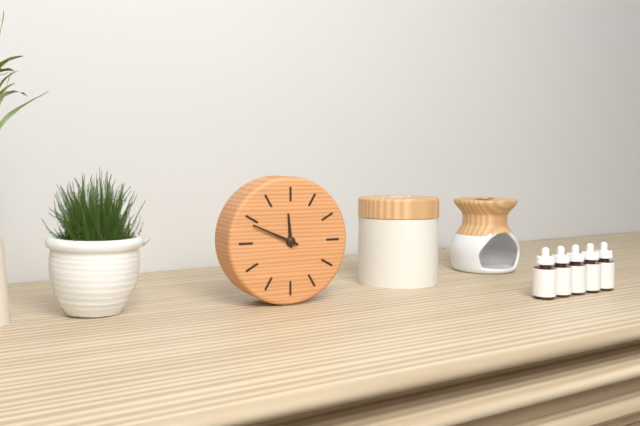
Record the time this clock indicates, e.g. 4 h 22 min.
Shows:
11 h 49 min
